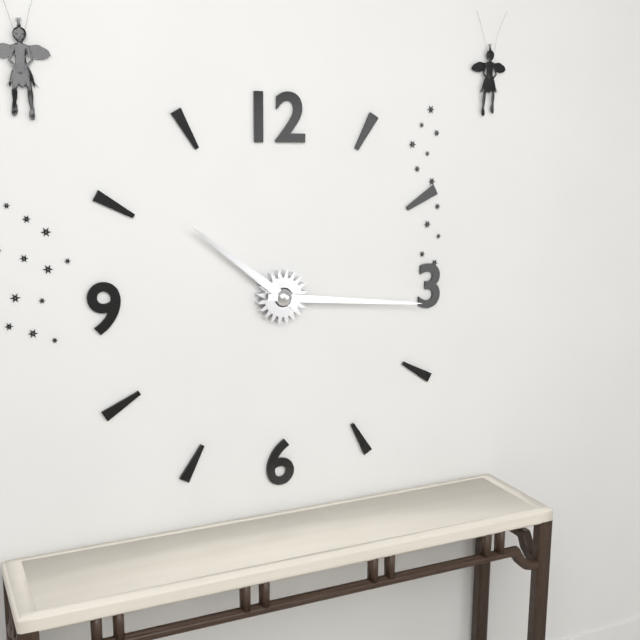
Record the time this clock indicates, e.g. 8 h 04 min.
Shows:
10 h 16 min
